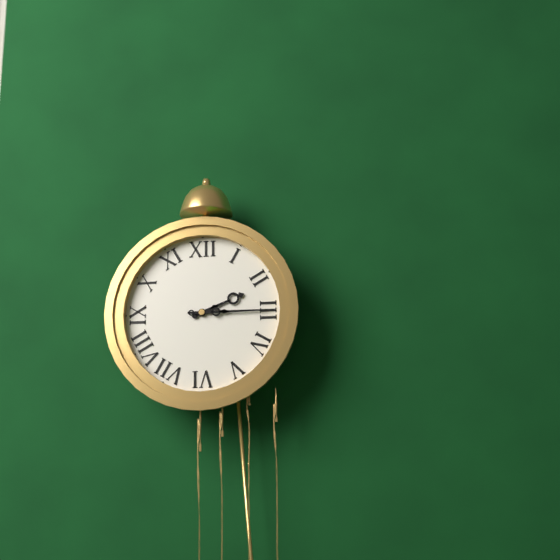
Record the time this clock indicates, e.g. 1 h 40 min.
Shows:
2 h 15 min
